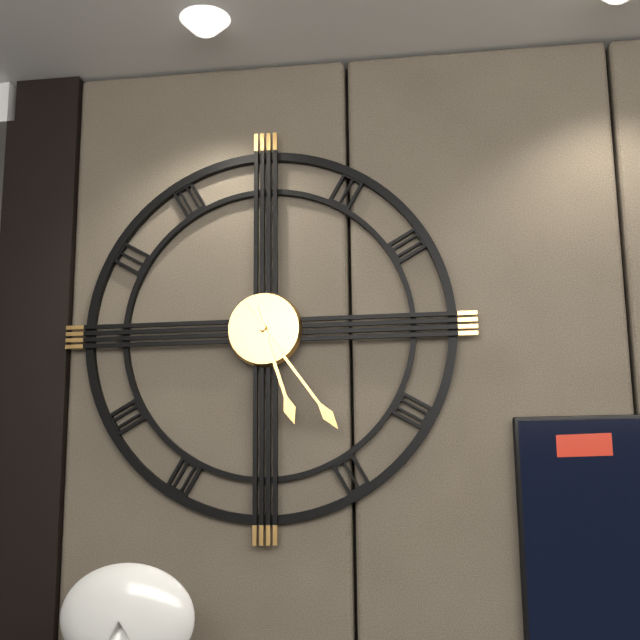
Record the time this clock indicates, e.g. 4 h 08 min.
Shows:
5 h 24 min
